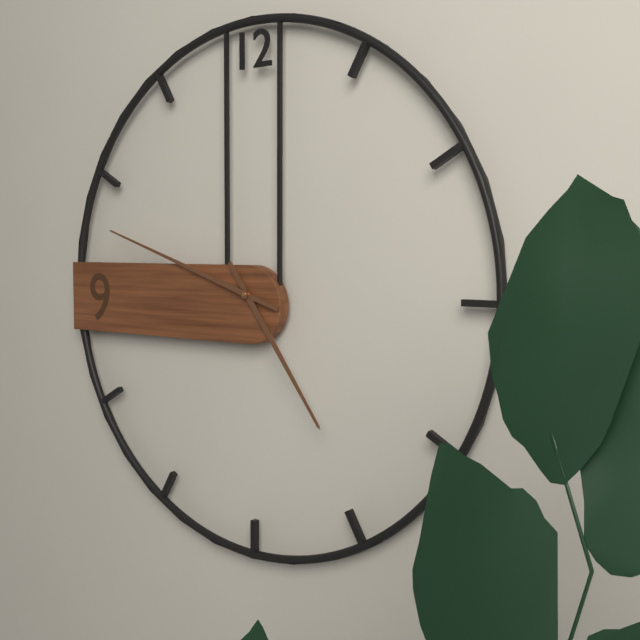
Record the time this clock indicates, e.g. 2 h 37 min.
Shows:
4 h 48 min
